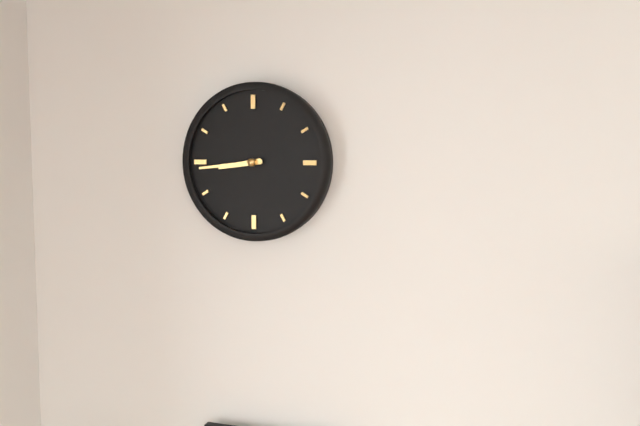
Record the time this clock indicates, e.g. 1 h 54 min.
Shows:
8 h 44 min
